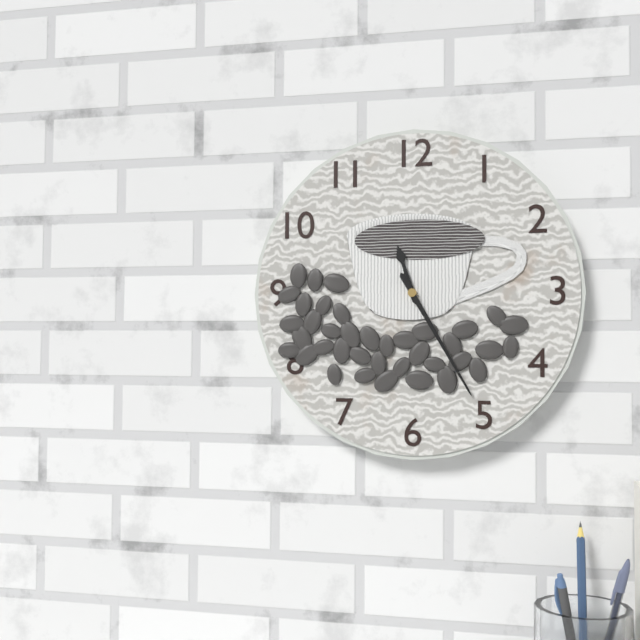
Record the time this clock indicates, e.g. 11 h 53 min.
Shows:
11 h 25 min
